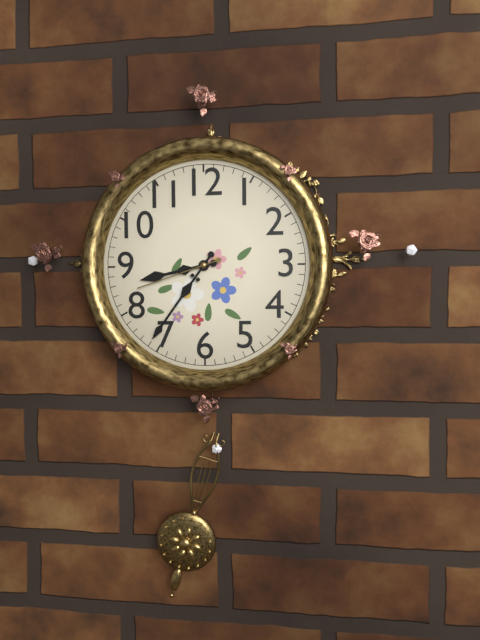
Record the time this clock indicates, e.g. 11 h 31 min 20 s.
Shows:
8 h 36 min 42 s
